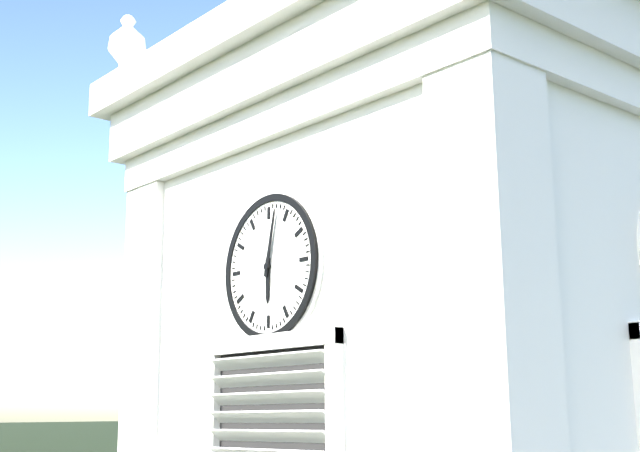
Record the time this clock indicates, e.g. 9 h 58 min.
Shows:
6 h 02 min
